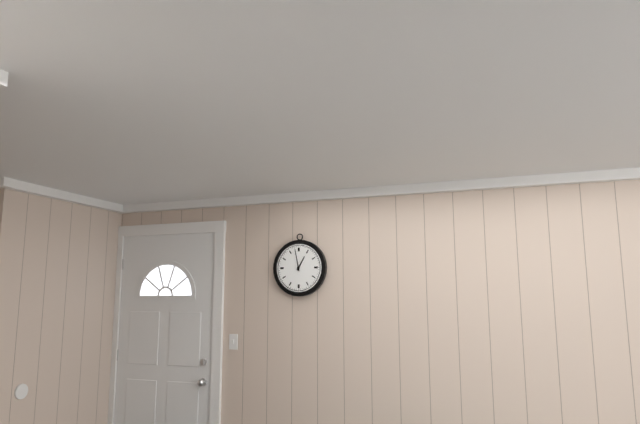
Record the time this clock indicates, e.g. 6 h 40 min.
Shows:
12 h 58 min
